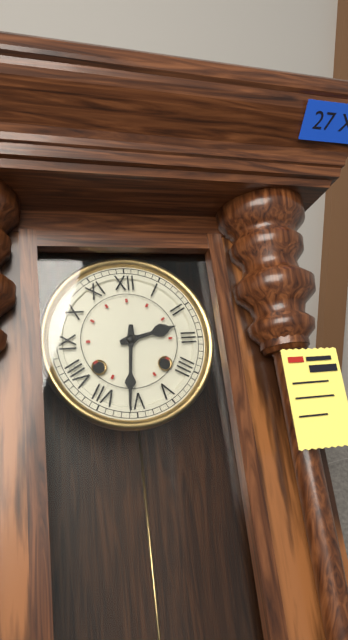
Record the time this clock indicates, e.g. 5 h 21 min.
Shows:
2 h 31 min
